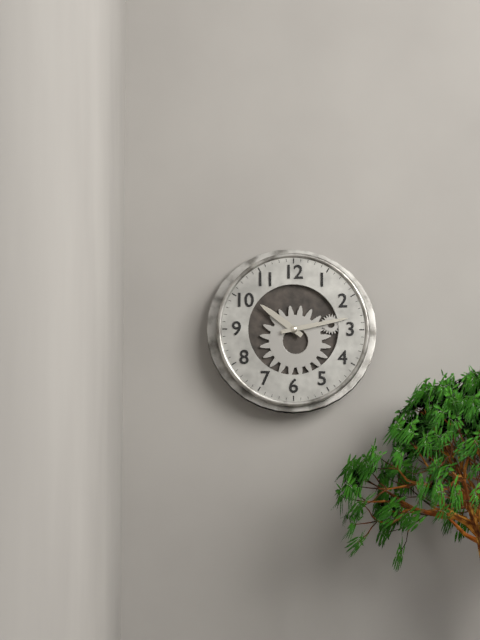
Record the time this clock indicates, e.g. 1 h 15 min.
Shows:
10 h 13 min
